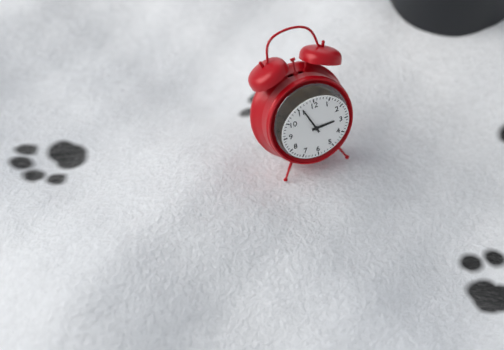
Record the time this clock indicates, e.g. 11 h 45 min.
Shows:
2 h 56 min
